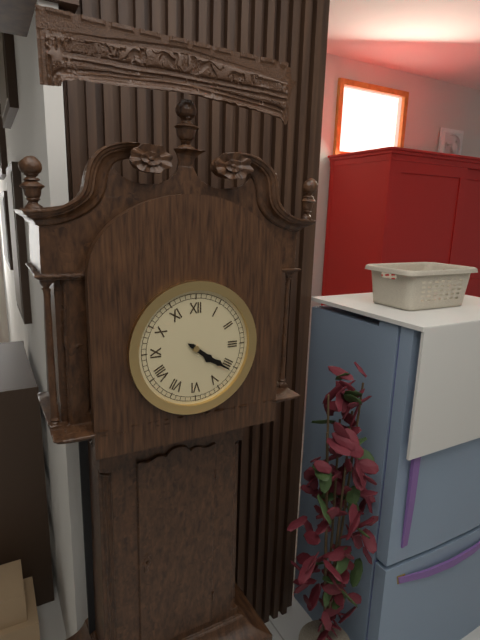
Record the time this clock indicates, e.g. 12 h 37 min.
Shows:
4 h 21 min
